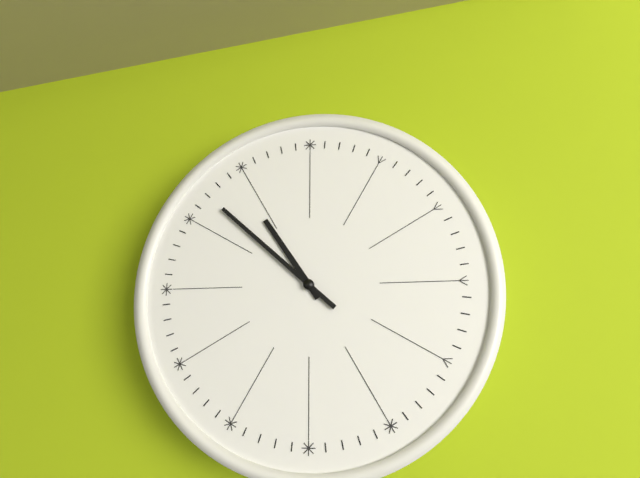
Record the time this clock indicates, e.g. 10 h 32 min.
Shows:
10 h 52 min
